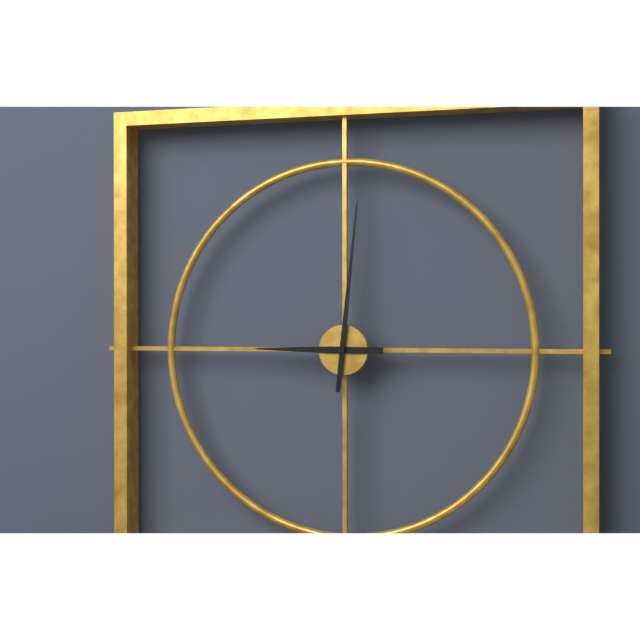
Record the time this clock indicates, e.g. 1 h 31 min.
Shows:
9 h 01 min
